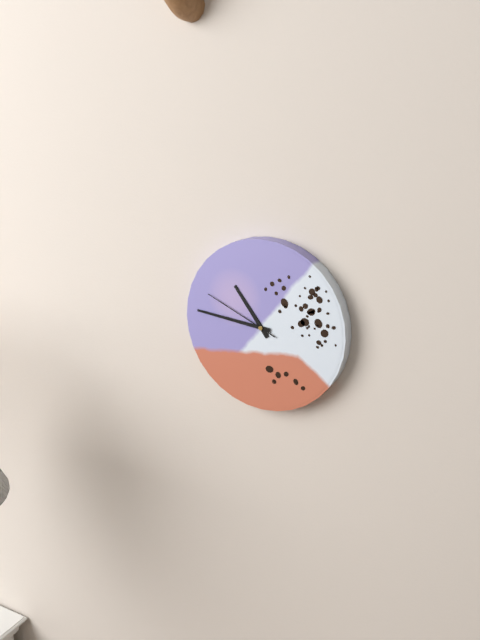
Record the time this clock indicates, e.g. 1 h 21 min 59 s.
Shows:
10 h 46 min 49 s
